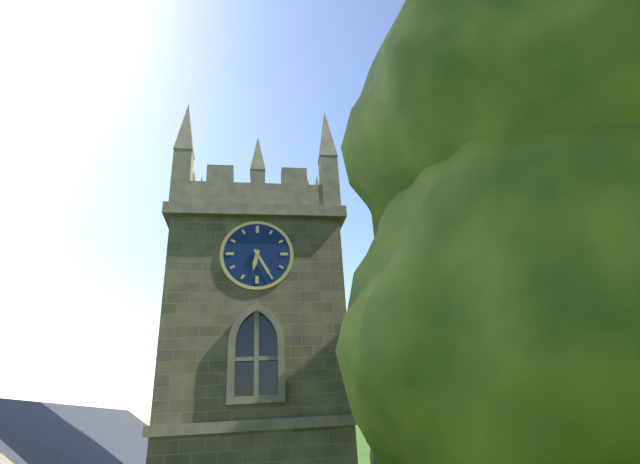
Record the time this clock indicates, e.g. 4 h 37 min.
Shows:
6 h 25 min
